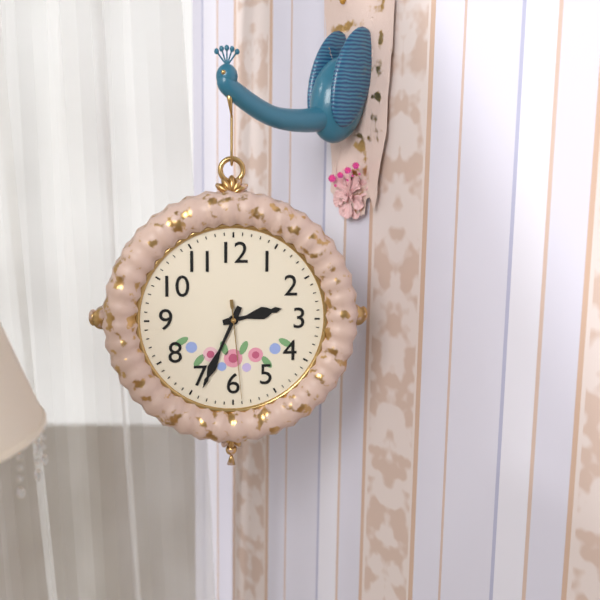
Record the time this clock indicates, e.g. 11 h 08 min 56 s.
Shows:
2 h 34 min 29 s
